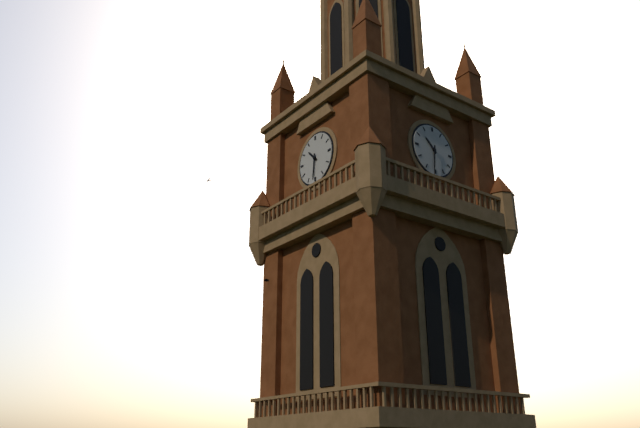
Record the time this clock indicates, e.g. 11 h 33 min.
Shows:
10 h 31 min
